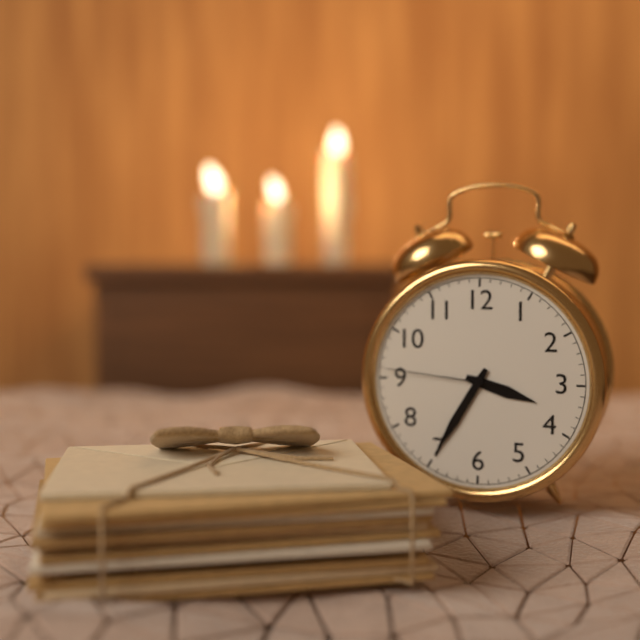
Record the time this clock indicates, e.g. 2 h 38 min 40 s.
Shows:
3 h 35 min 46 s
